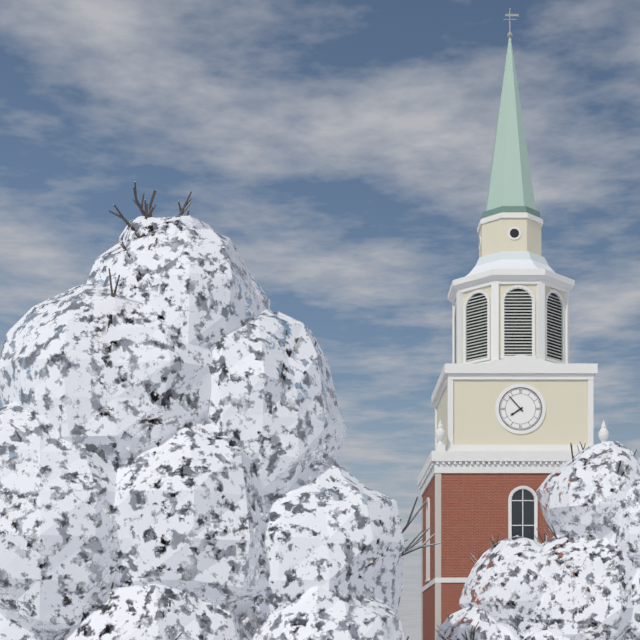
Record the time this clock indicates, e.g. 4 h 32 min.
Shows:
7 h 53 min
